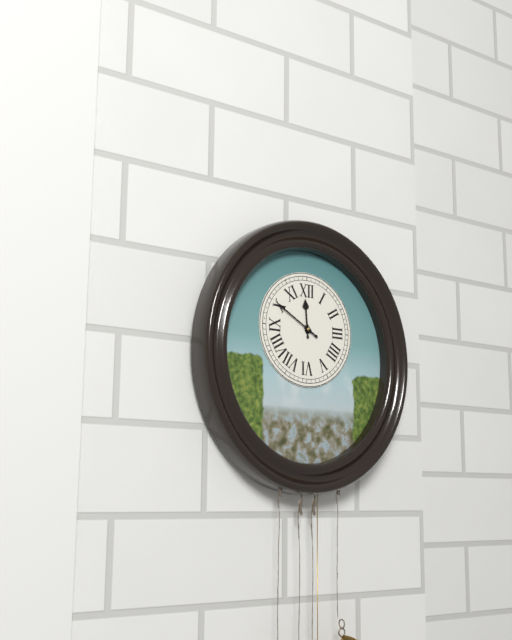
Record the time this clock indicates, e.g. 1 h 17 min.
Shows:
11 h 50 min
